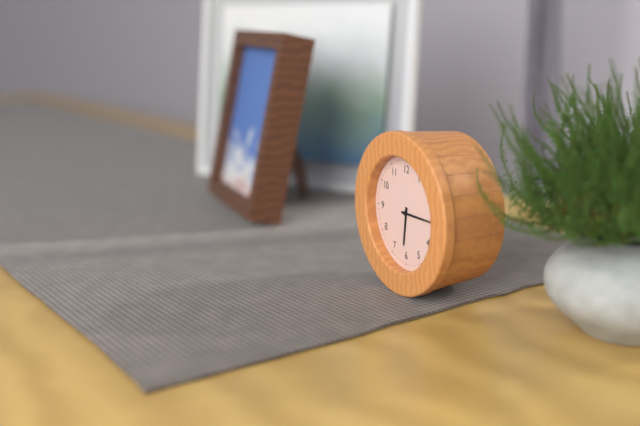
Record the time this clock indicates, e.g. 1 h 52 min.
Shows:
6 h 15 min
